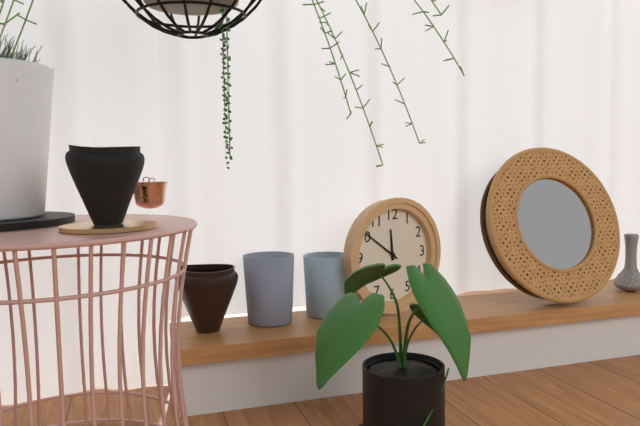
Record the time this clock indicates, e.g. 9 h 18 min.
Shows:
11 h 51 min
